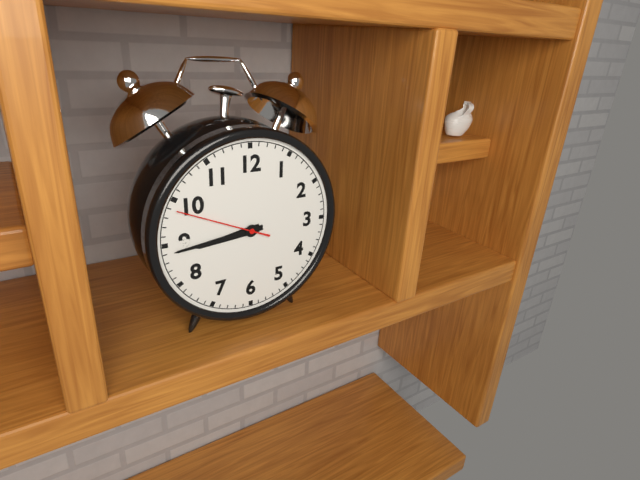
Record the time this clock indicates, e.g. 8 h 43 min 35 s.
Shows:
8 h 44 min 49 s
